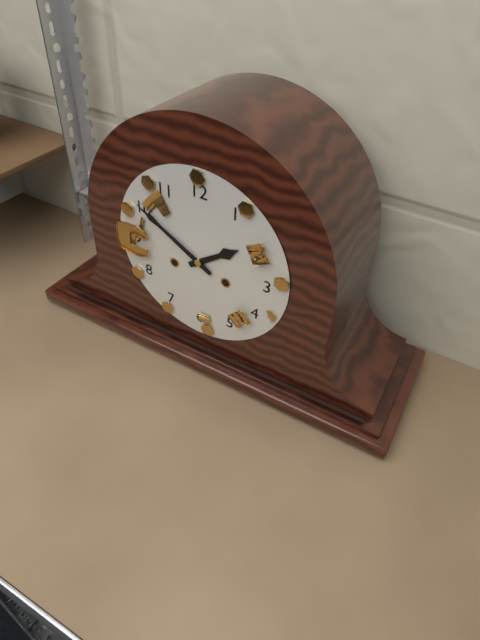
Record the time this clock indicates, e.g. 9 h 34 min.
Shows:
1 h 50 min
